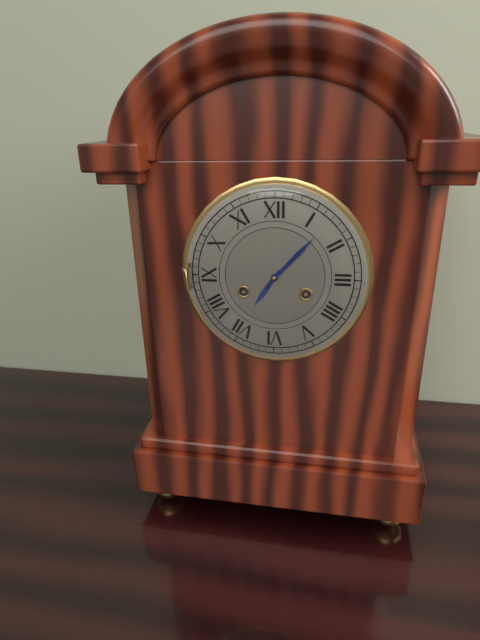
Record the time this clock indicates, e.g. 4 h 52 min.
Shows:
7 h 07 min
